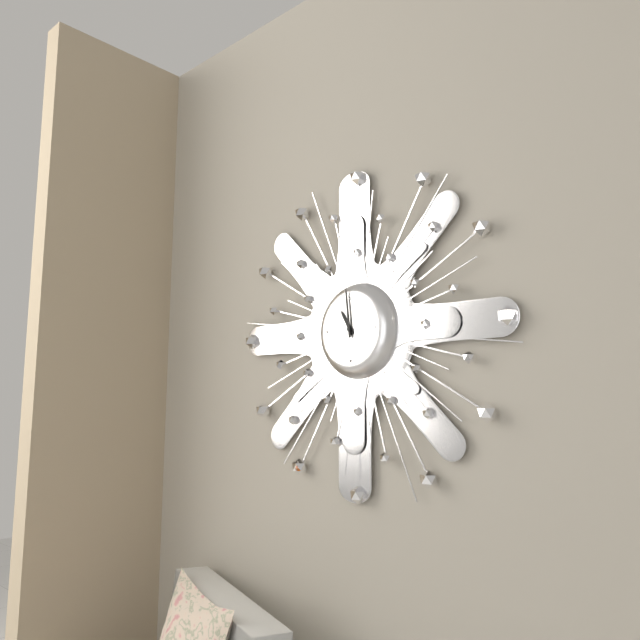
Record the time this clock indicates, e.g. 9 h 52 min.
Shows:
10 h 59 min
